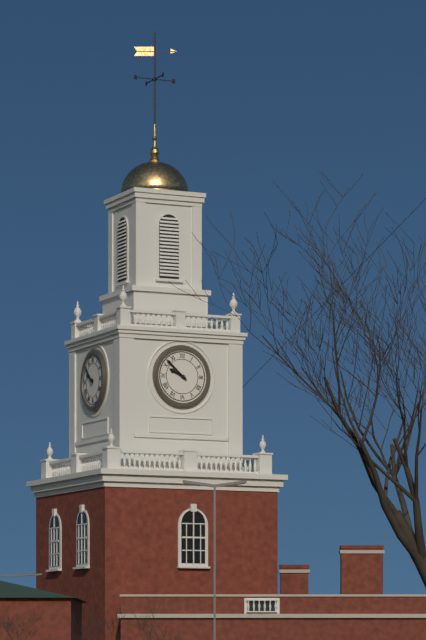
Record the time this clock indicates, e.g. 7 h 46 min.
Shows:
9 h 52 min
